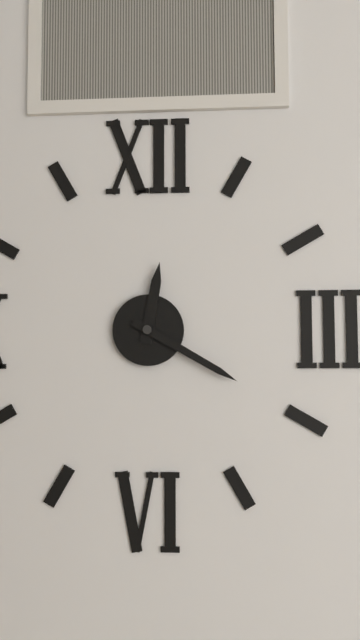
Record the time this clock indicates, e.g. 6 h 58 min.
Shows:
12 h 20 min
